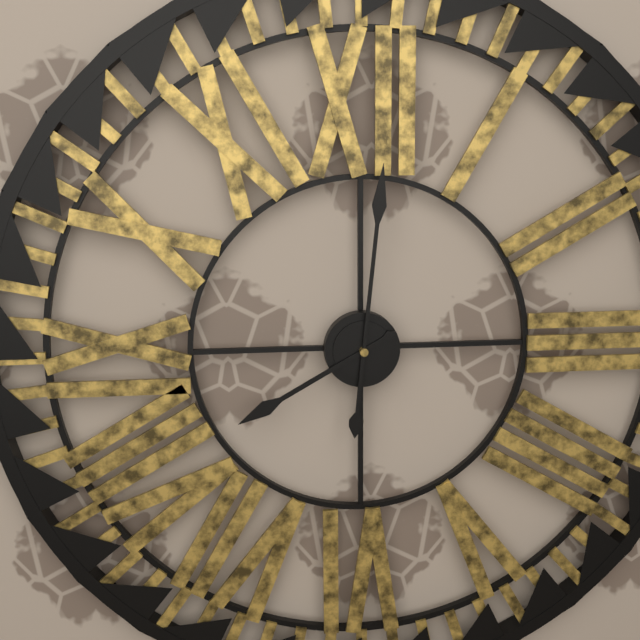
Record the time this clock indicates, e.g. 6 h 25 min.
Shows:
8 h 01 min
